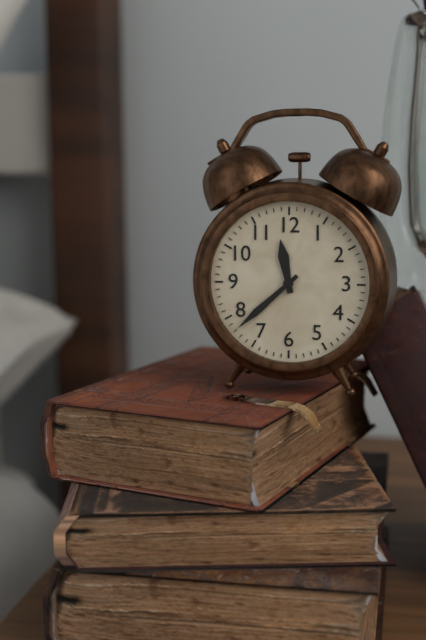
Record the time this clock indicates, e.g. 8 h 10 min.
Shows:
11 h 38 min
